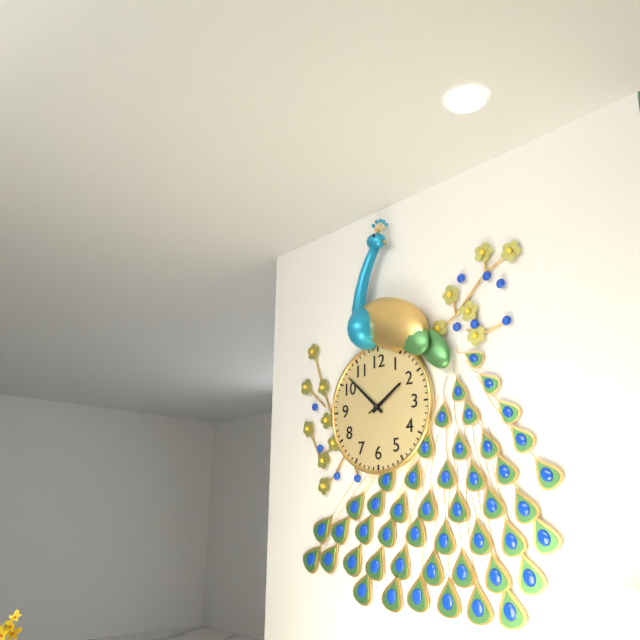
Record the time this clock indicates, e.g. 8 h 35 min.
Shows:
1 h 52 min
